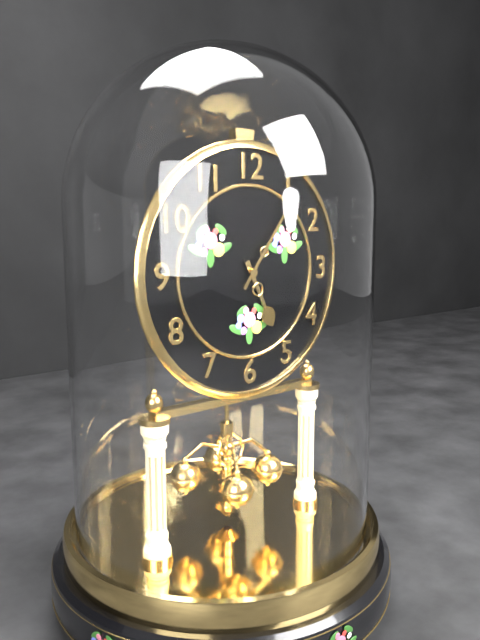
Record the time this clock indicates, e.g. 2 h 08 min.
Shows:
5 h 06 min
